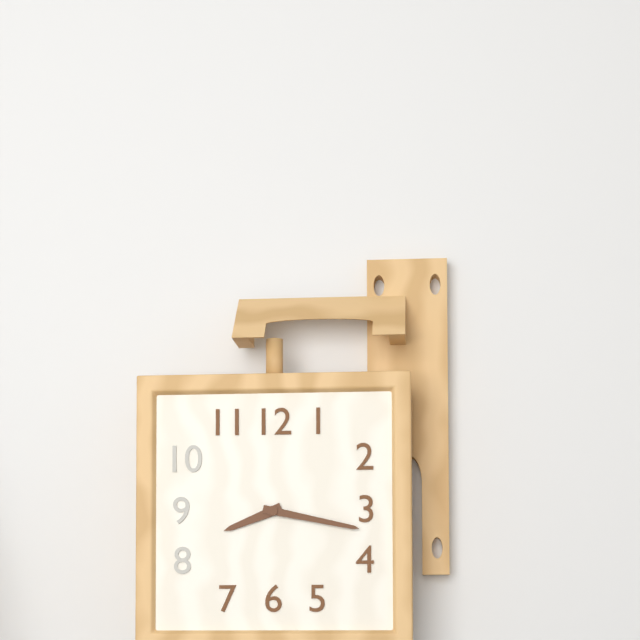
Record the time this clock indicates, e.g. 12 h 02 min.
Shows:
8 h 17 min
